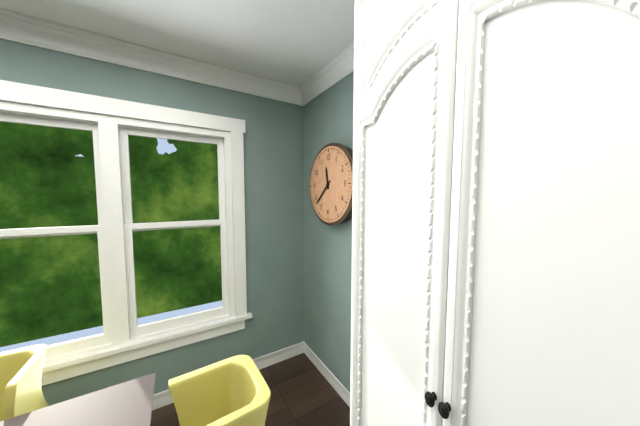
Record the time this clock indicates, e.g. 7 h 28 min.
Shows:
11 h 38 min
